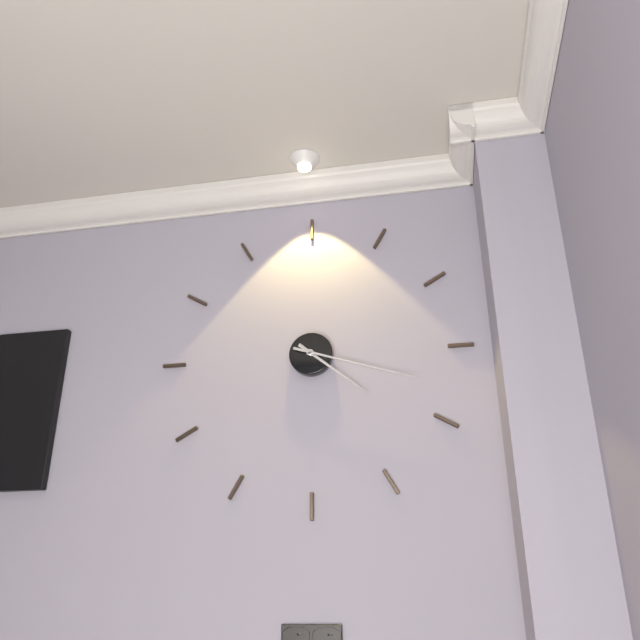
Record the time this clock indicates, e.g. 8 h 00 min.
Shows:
4 h 18 min
